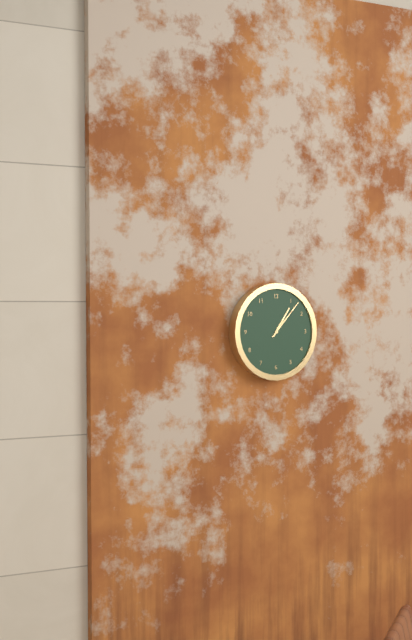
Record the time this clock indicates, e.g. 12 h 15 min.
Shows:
1 h 07 min
